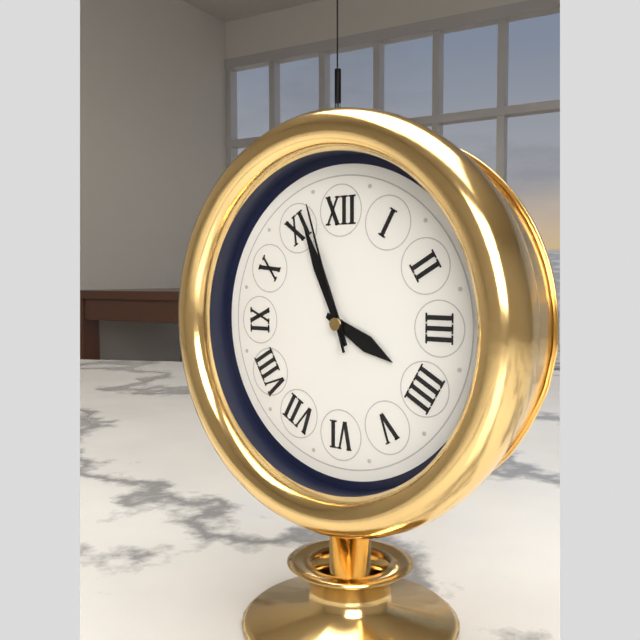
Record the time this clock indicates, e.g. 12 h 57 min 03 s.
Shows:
3 h 56 min 57 s
